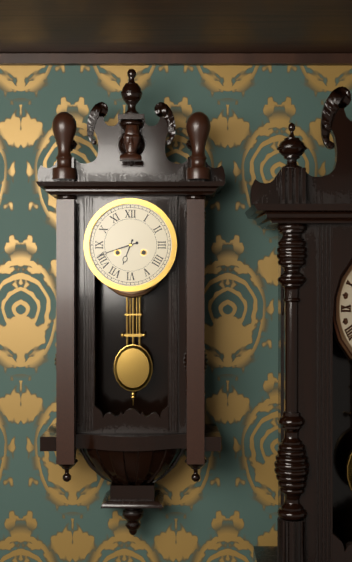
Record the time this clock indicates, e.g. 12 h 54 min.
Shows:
6 h 42 min
